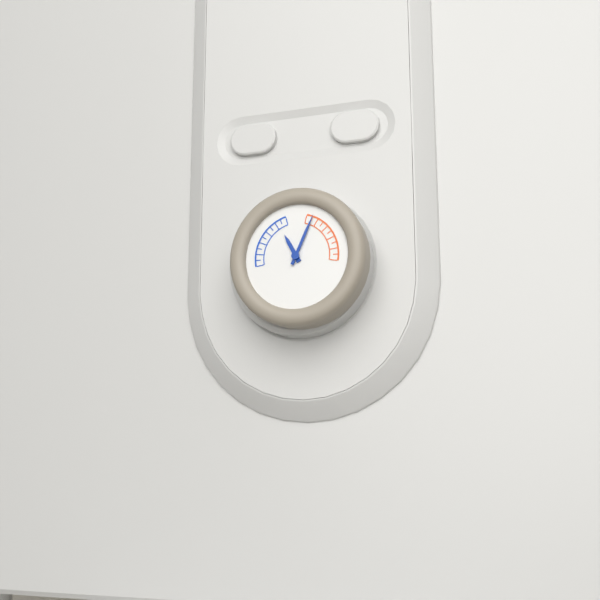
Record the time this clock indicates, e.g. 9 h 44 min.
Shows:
11 h 04 min
